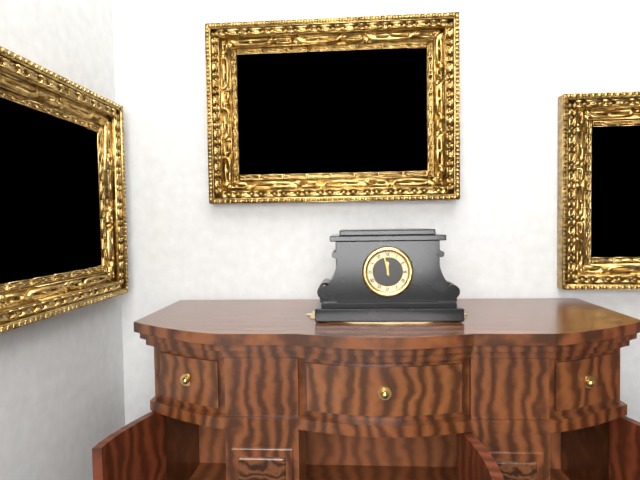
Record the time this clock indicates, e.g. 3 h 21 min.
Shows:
11 h 58 min
